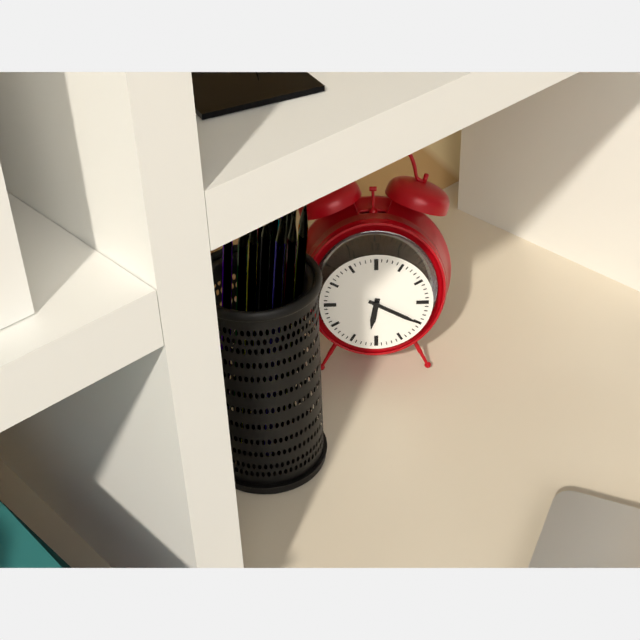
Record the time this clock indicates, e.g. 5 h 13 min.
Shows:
6 h 20 min
